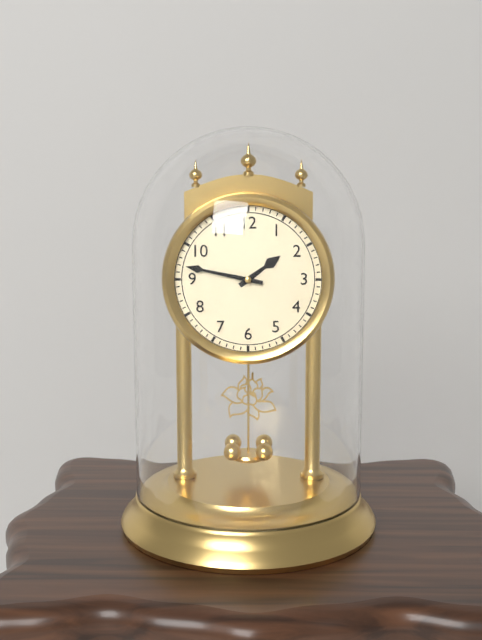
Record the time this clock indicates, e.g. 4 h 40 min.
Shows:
1 h 47 min
